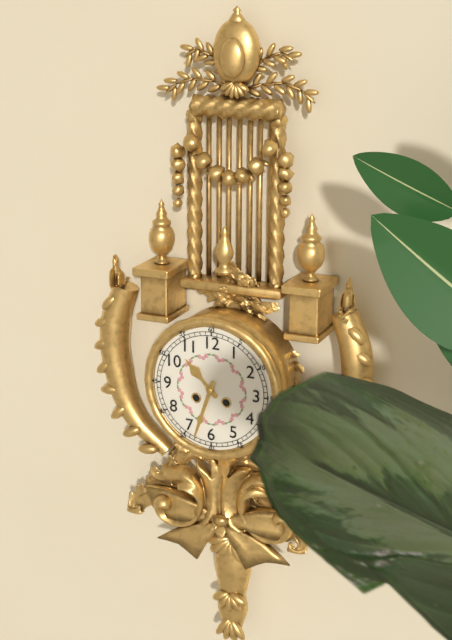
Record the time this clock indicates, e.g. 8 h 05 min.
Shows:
10 h 33 min
